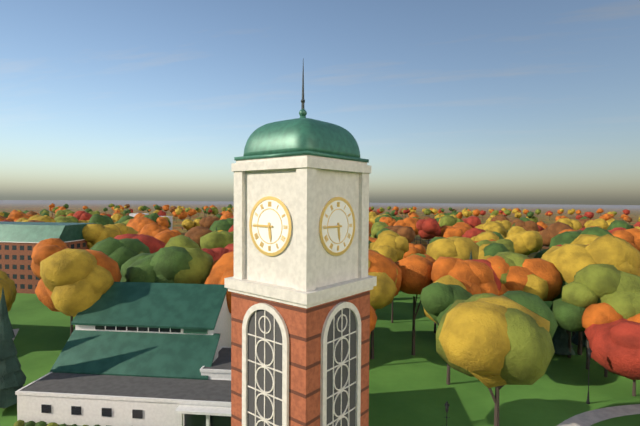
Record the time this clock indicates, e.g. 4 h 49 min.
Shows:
5 h 45 min
